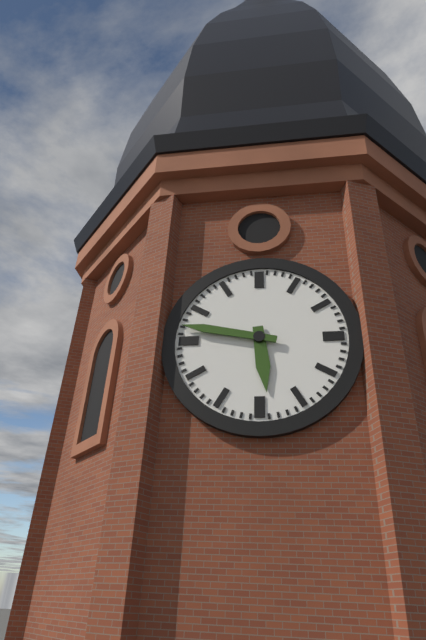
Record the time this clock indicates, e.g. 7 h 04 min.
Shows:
5 h 47 min
